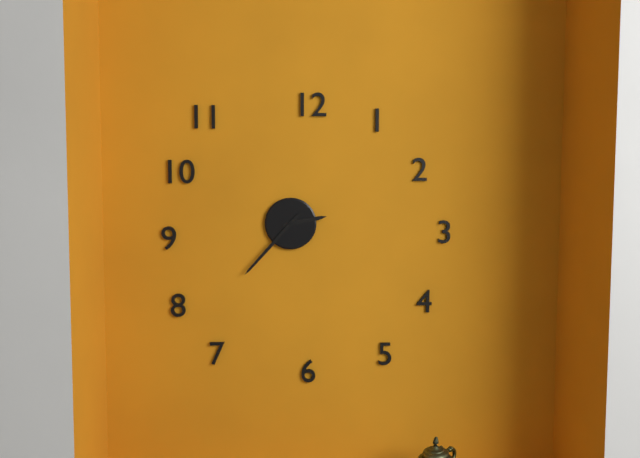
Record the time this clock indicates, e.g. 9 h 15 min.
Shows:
2 h 37 min
